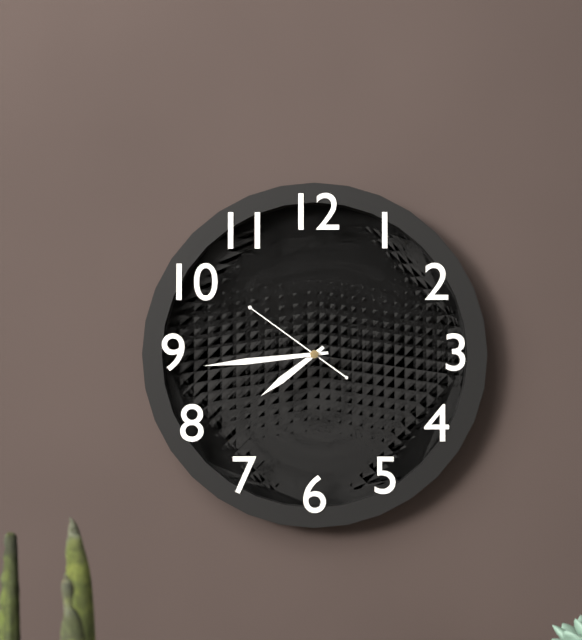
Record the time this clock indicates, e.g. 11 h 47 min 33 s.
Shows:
7 h 44 min 51 s
